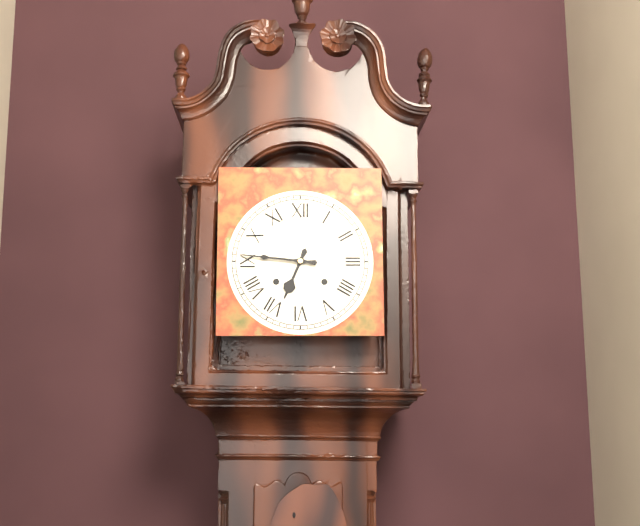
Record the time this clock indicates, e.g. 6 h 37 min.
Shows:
6 h 46 min
